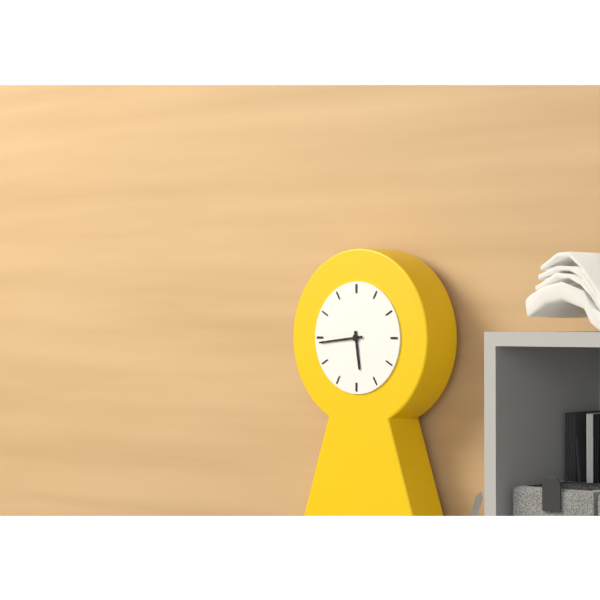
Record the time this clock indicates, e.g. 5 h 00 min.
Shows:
5 h 44 min
